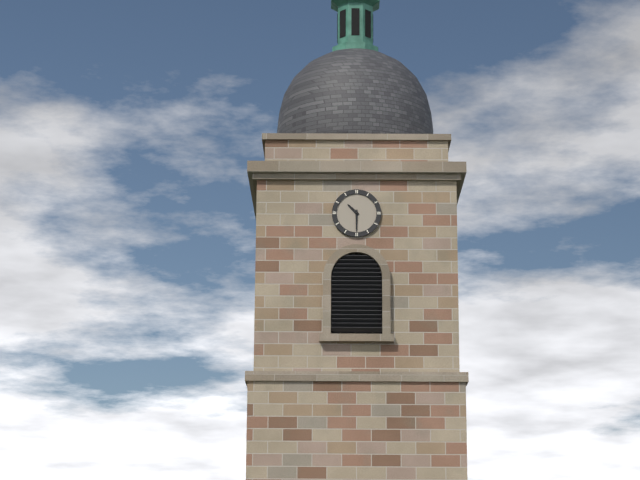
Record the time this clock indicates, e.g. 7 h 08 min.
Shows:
10 h 30 min
